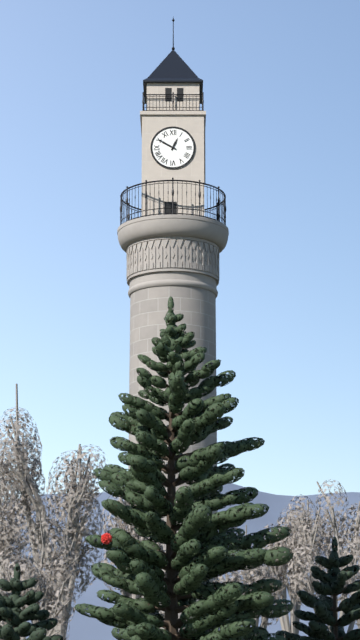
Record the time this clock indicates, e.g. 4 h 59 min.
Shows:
12 h 50 min
